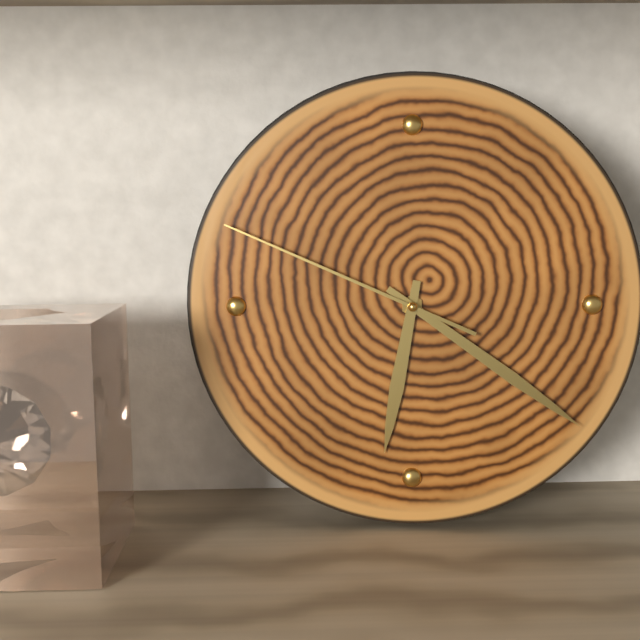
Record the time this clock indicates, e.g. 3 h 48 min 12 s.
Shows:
6 h 21 min 49 s
